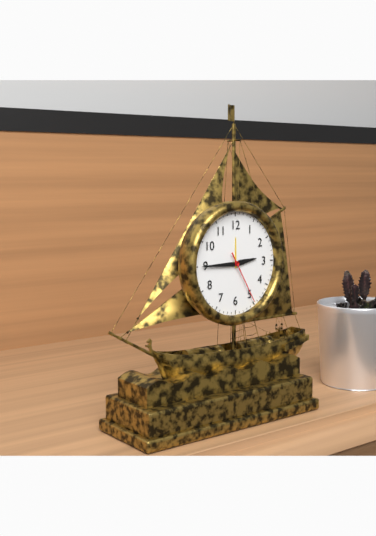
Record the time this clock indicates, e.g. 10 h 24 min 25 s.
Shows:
2 h 45 min 25 s
